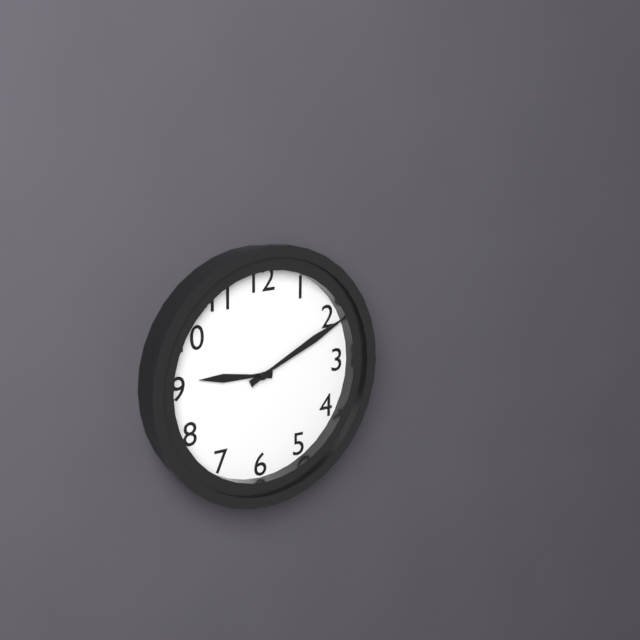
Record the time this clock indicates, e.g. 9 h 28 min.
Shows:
9 h 11 min
